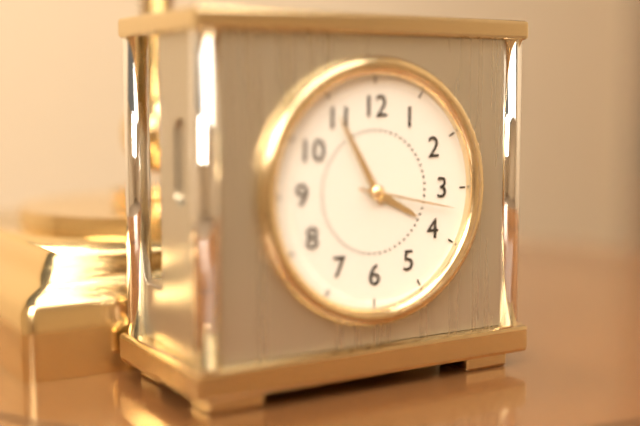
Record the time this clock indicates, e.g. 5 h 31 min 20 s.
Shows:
3 h 55 min 17 s
